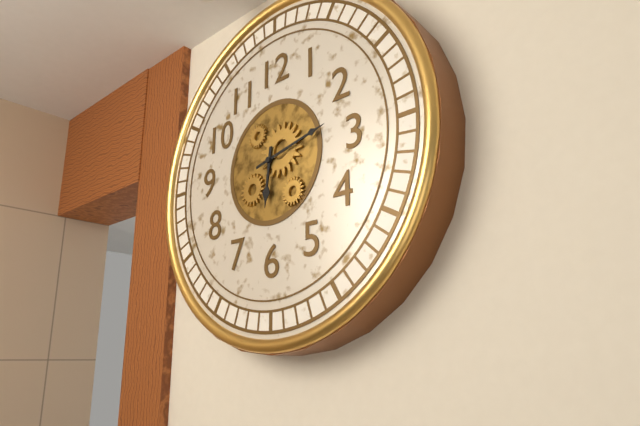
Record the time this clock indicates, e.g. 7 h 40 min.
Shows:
6 h 13 min
